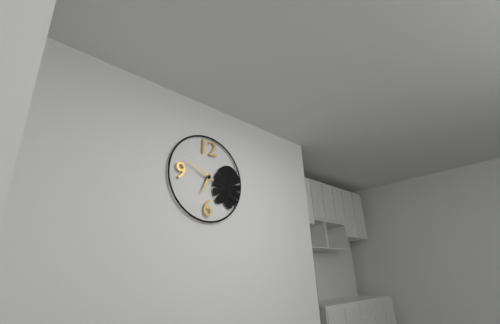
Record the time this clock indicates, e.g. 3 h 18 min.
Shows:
6 h 49 min
